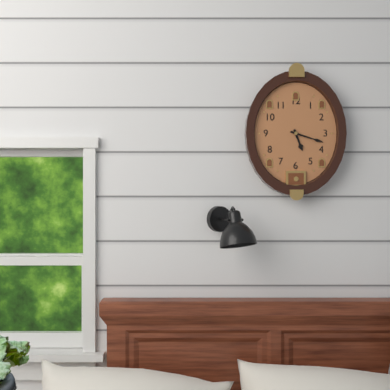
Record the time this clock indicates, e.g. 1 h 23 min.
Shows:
5 h 18 min
